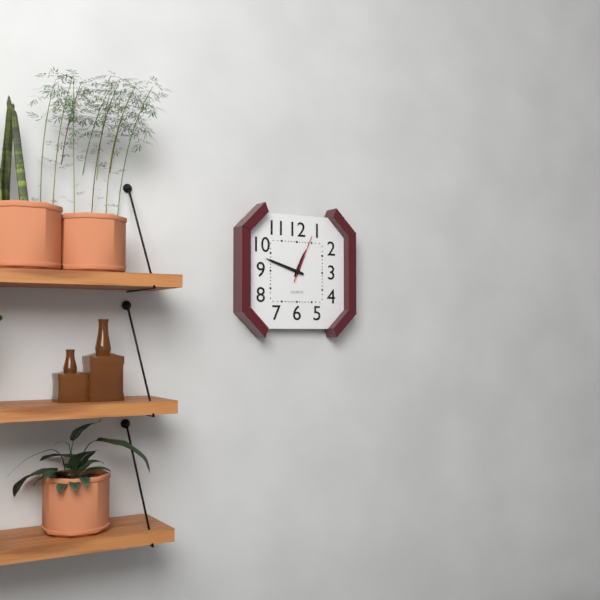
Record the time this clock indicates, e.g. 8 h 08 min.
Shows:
12 h 48 min
